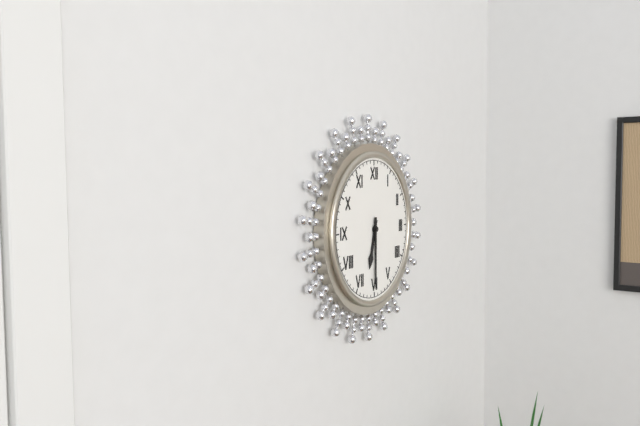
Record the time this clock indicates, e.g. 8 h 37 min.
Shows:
6 h 30 min
